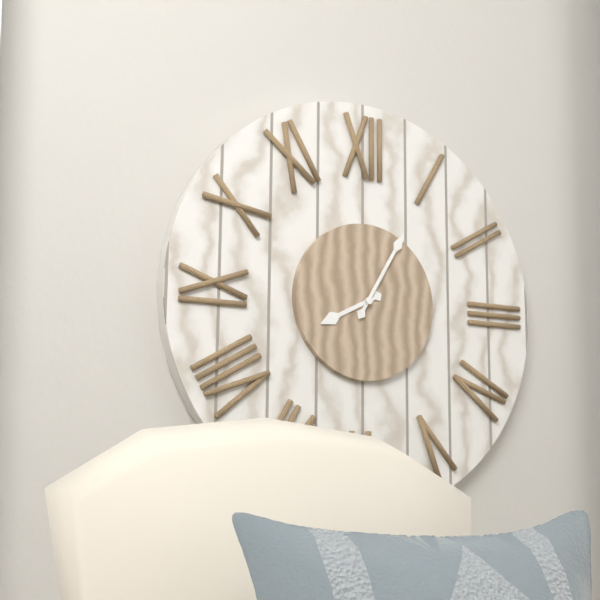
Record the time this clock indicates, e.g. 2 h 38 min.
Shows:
8 h 05 min
